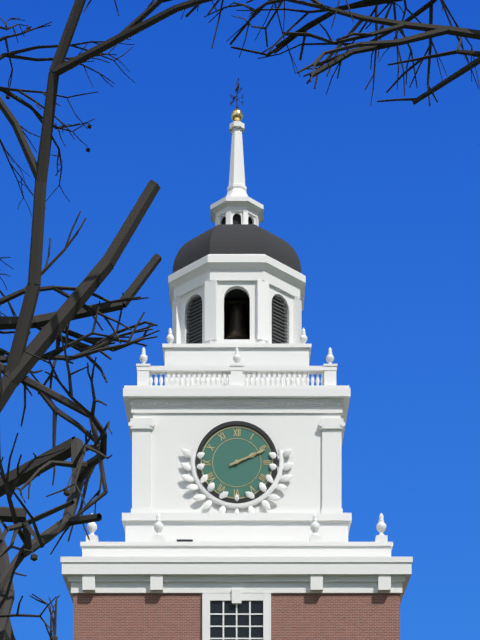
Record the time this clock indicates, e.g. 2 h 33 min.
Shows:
2 h 11 min
